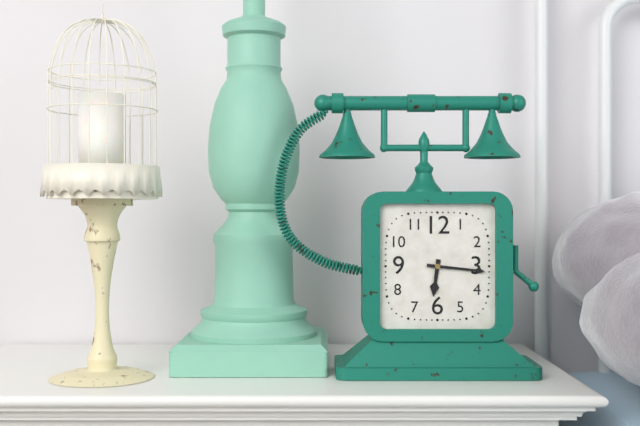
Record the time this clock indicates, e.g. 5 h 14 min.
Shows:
6 h 16 min
